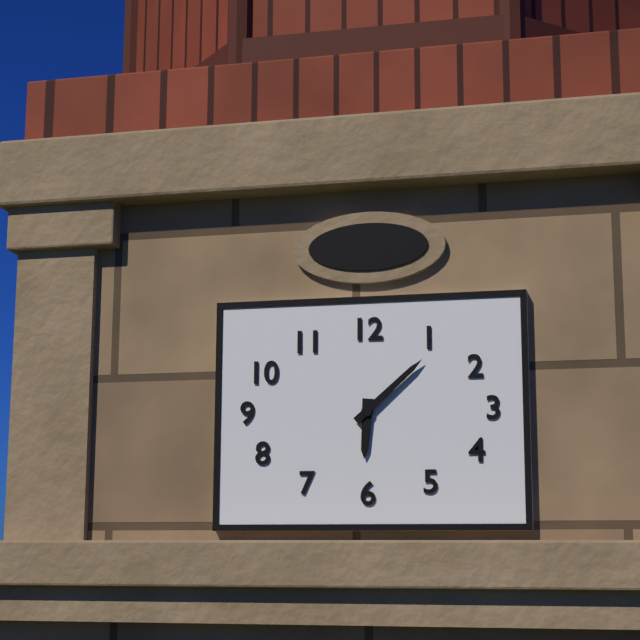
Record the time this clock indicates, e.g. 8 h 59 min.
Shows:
6 h 08 min
